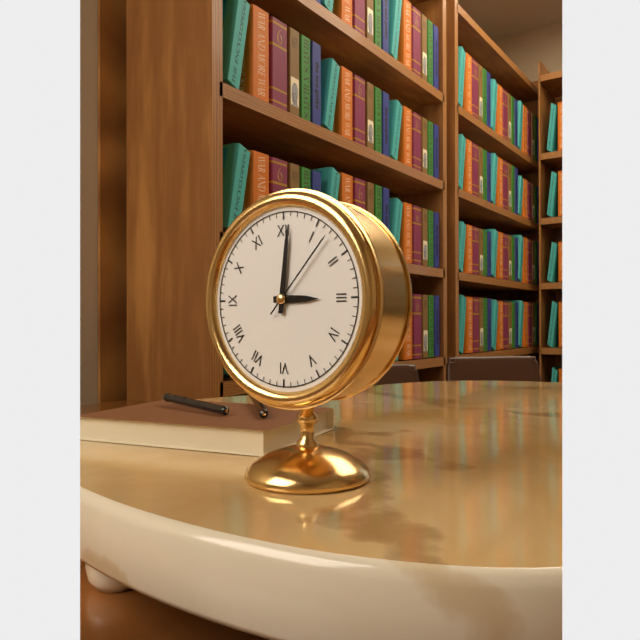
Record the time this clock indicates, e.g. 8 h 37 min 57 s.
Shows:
3 h 01 min 07 s
